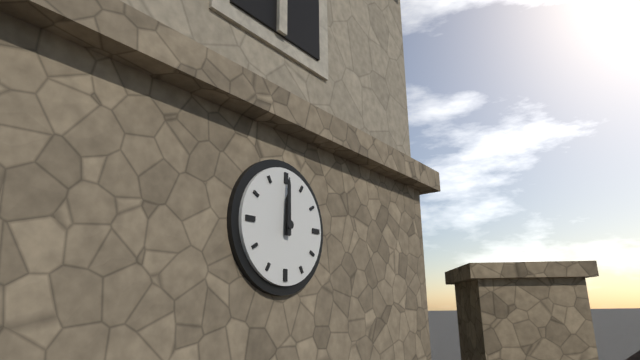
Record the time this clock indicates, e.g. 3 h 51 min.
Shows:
12 h 00 min
